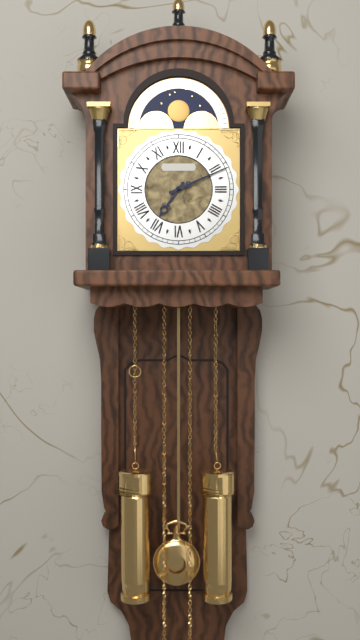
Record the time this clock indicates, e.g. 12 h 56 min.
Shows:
7 h 11 min
